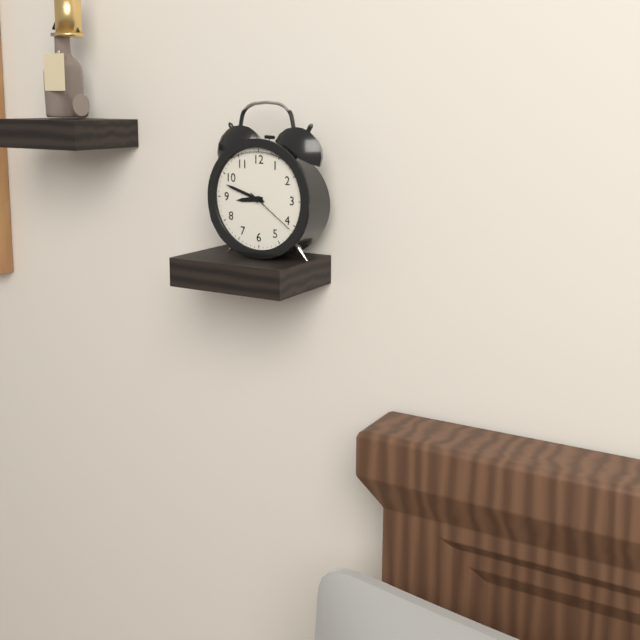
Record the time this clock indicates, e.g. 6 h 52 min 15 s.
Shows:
8 h 48 min 21 s
